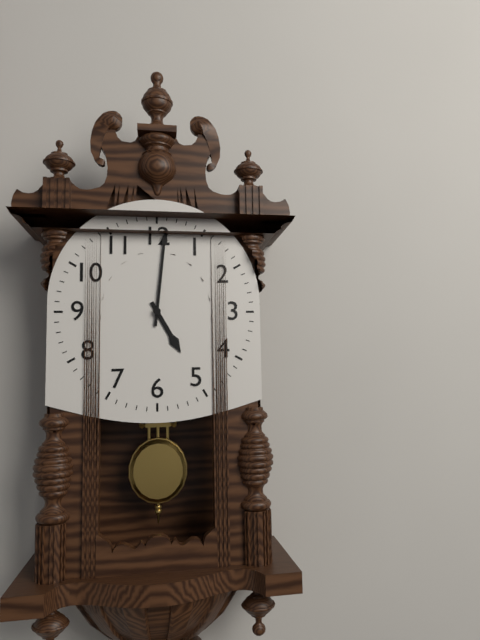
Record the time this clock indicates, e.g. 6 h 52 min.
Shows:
5 h 01 min
